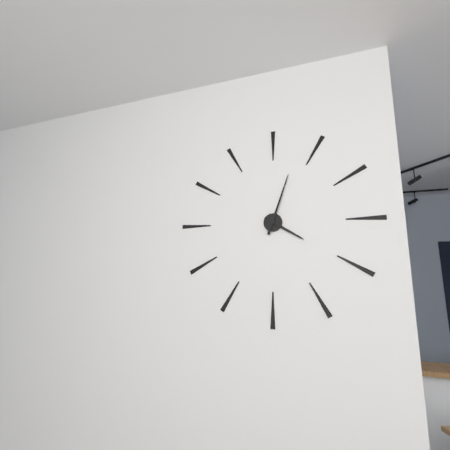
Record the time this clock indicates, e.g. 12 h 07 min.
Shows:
4 h 03 min
